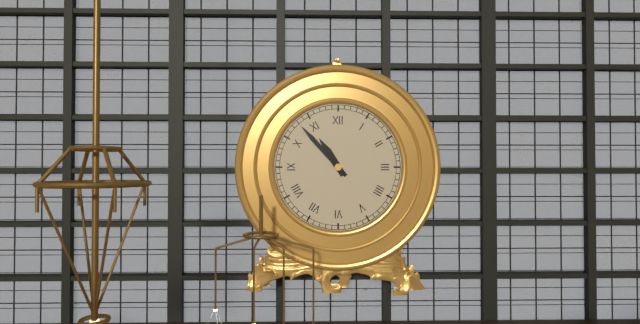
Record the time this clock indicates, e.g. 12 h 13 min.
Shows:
10 h 53 min
